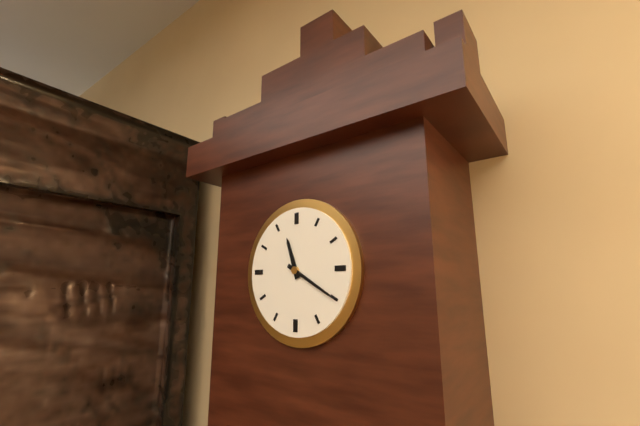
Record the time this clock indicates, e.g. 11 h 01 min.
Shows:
11 h 20 min
